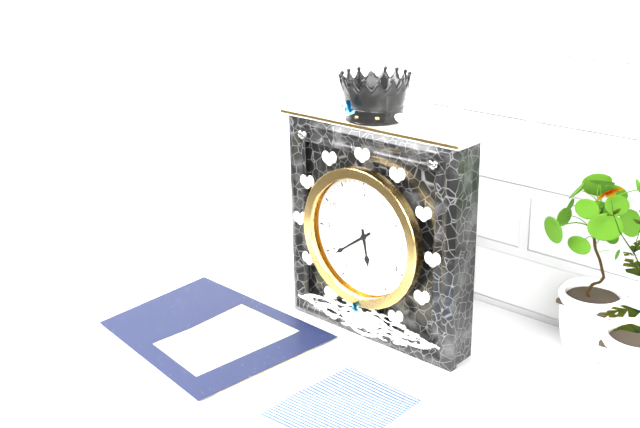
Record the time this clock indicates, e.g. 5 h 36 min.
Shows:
5 h 39 min
